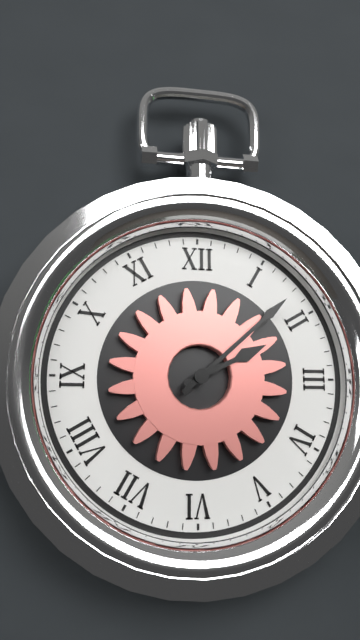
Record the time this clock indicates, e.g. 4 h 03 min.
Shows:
2 h 08 min
